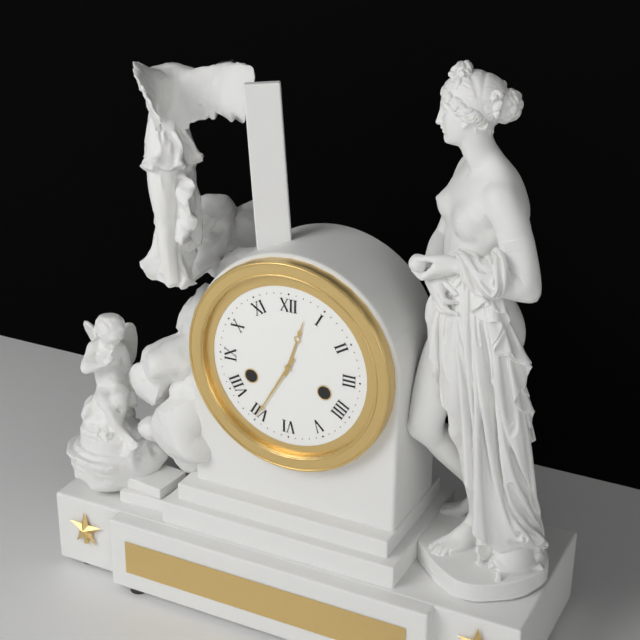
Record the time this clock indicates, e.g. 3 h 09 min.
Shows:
12 h 35 min
